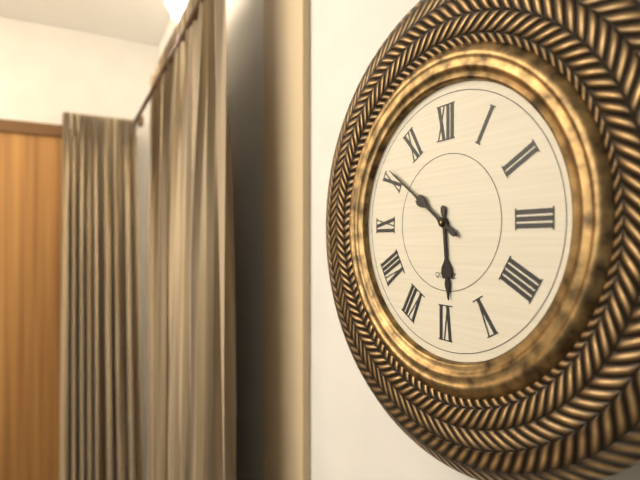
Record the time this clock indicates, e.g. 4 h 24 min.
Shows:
5 h 51 min
